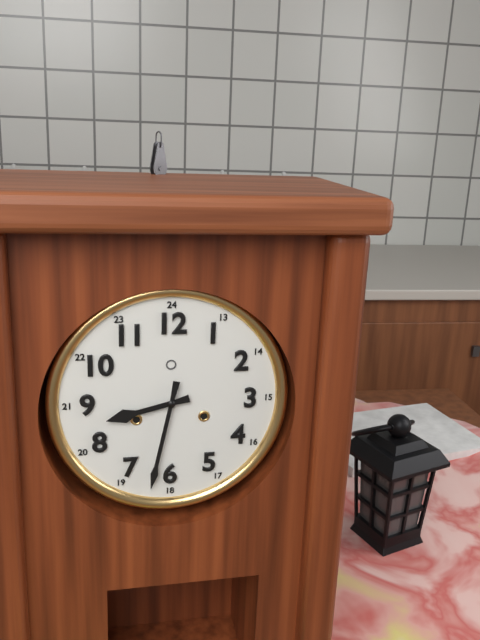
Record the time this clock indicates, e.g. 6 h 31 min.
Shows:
8 h 32 min
